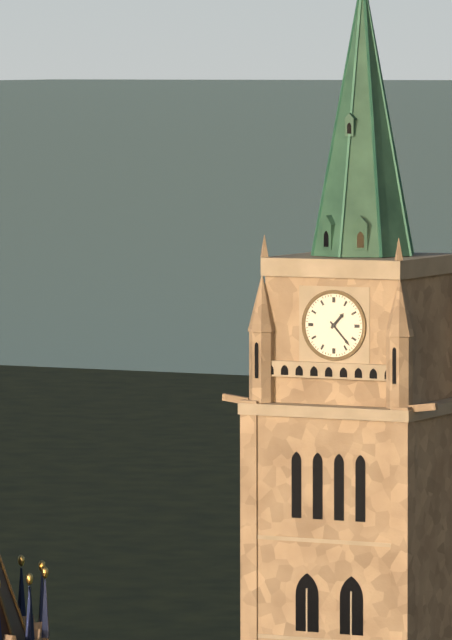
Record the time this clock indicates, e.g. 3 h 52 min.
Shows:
1 h 23 min
